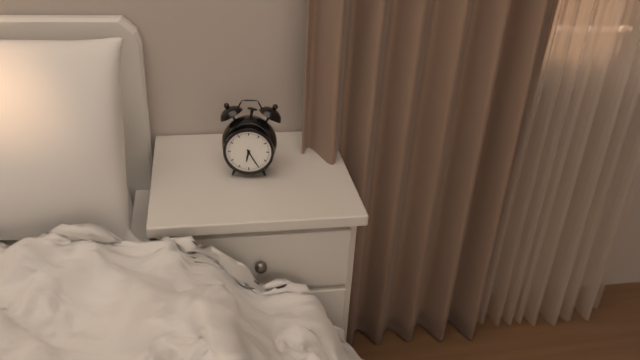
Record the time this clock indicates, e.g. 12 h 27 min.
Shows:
6 h 25 min
